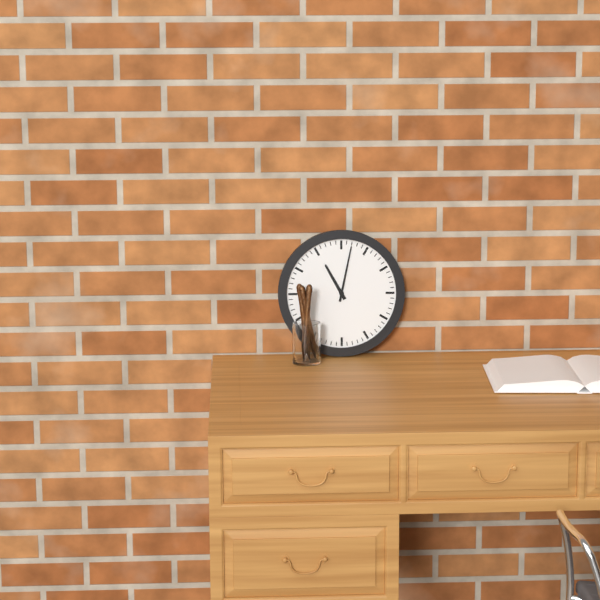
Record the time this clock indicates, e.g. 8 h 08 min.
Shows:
11 h 02 min
